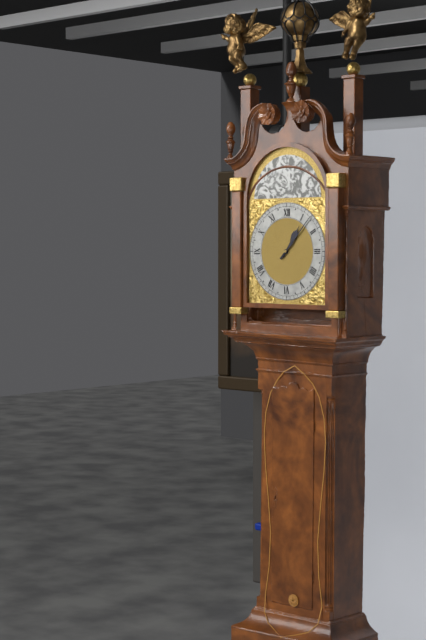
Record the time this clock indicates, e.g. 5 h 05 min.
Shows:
1 h 07 min
